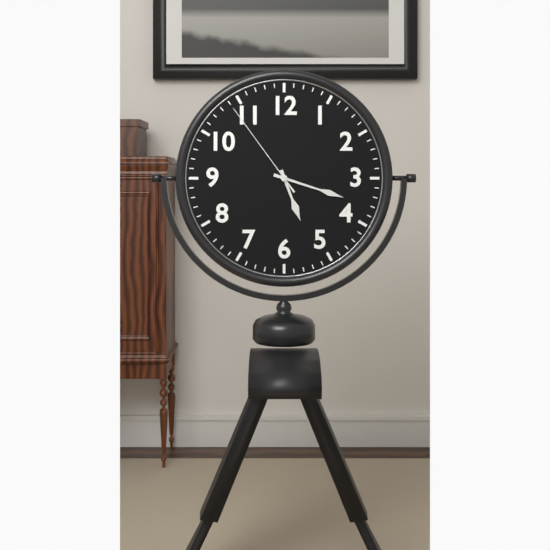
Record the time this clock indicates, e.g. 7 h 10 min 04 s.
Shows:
5 h 18 min 54 s
